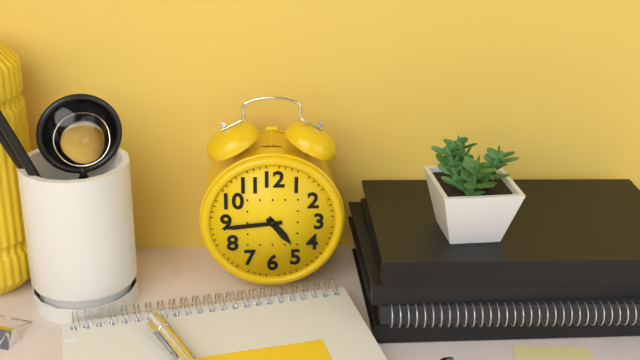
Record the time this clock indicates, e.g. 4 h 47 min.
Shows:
4 h 44 min
